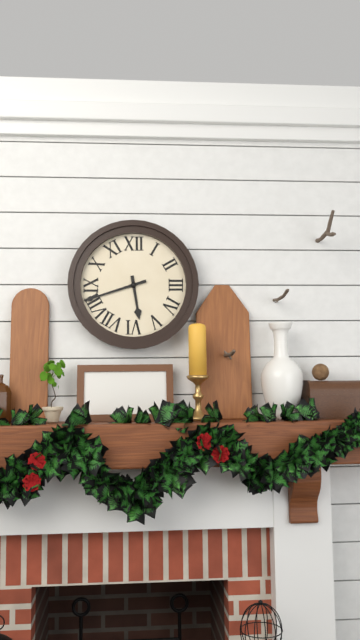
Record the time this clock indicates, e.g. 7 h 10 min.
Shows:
5 h 42 min
